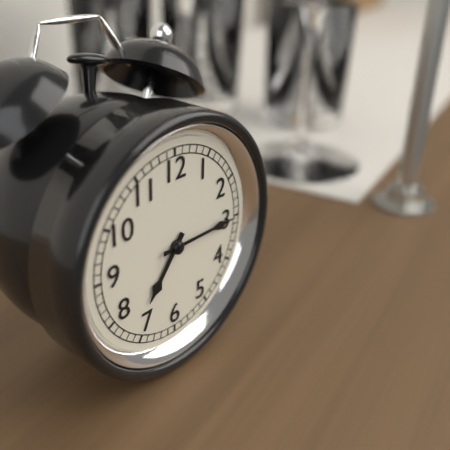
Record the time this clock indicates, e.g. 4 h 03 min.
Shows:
7 h 15 min
